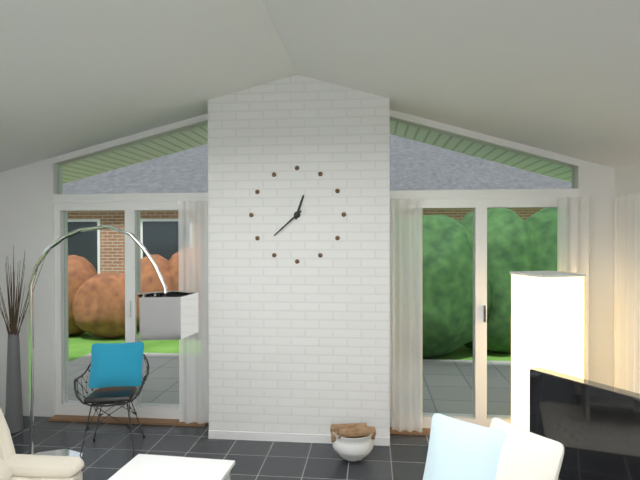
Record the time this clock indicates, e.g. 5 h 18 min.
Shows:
12 h 38 min
